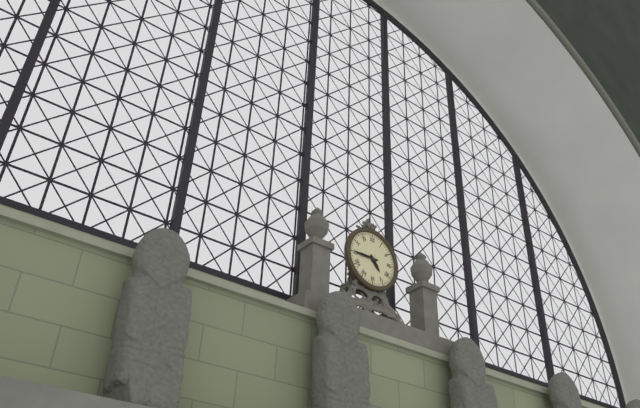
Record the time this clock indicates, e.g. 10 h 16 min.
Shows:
4 h 45 min
